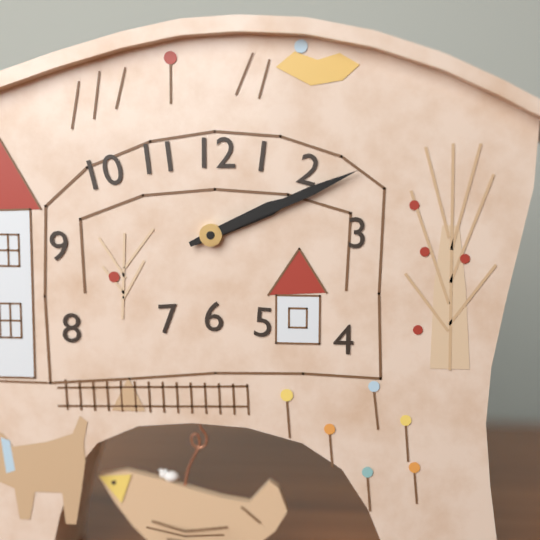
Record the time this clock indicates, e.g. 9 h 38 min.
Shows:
2 h 11 min
